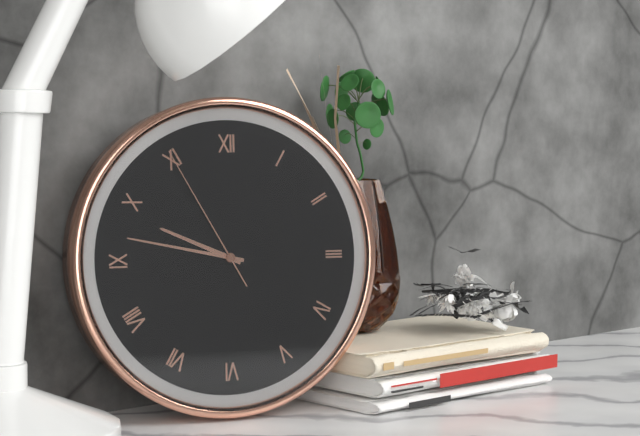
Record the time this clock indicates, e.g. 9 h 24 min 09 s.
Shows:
9 h 47 min 55 s
